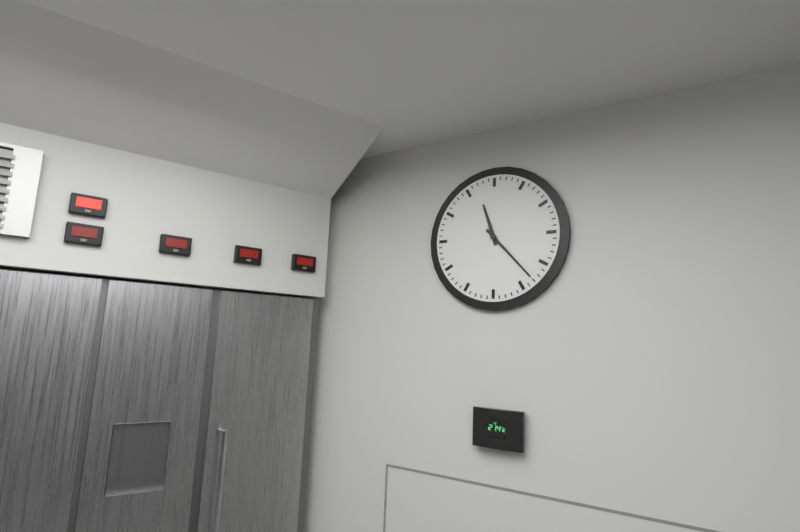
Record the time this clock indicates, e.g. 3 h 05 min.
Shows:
11 h 23 min
